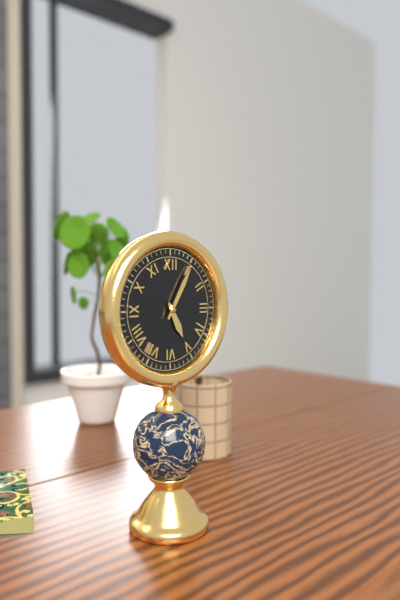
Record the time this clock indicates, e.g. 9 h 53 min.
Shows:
5 h 05 min
